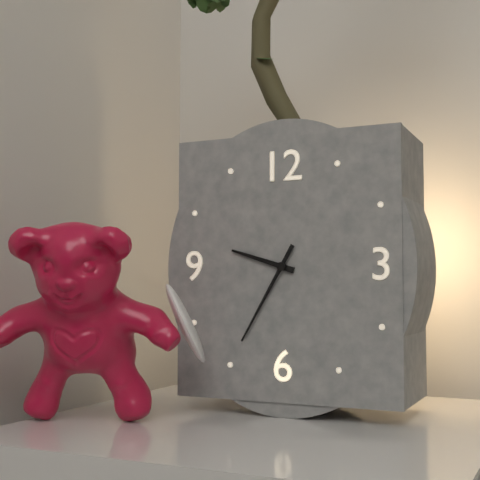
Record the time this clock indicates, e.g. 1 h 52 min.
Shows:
9 h 35 min
